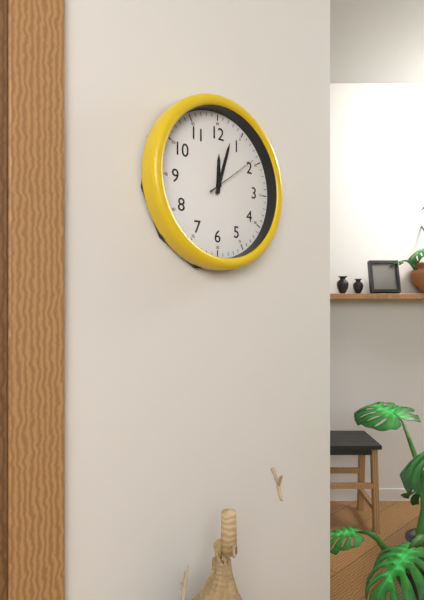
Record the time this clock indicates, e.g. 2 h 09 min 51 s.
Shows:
12 h 03 min 09 s
